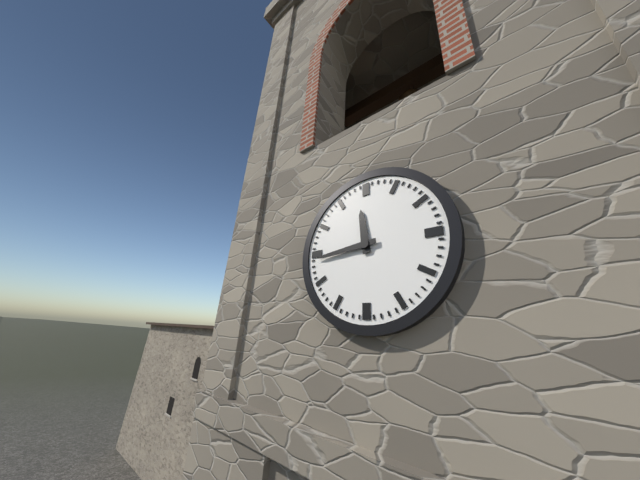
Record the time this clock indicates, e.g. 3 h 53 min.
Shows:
11 h 44 min
